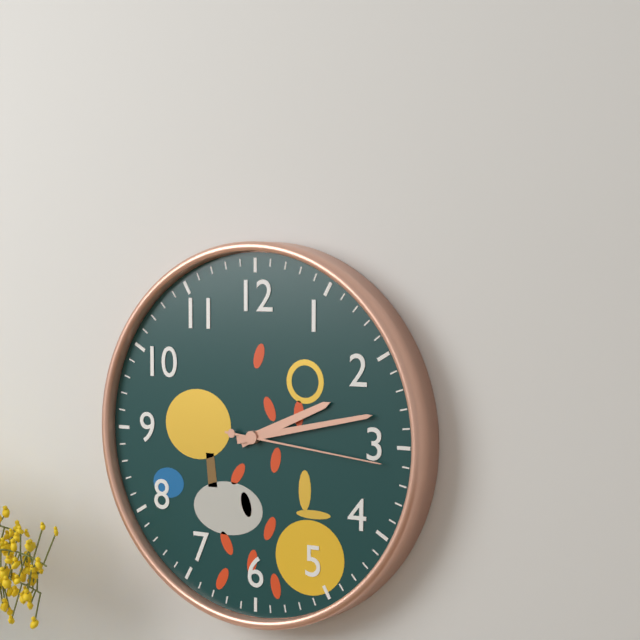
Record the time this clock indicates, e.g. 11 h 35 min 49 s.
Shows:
2 h 13 min 16 s
